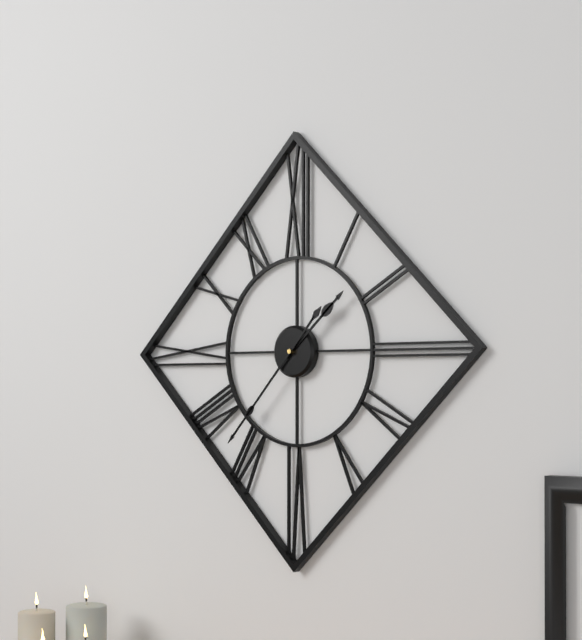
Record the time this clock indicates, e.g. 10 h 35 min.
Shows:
1 h 37 min
